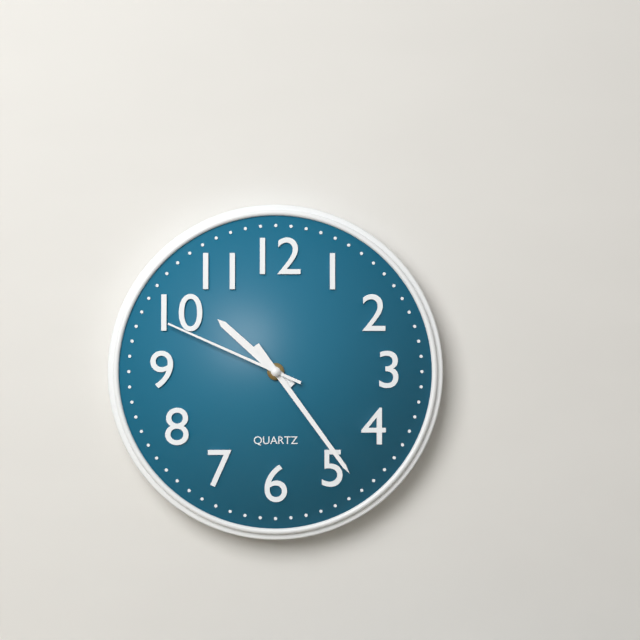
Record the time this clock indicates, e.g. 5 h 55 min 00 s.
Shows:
10 h 24 min 49 s
